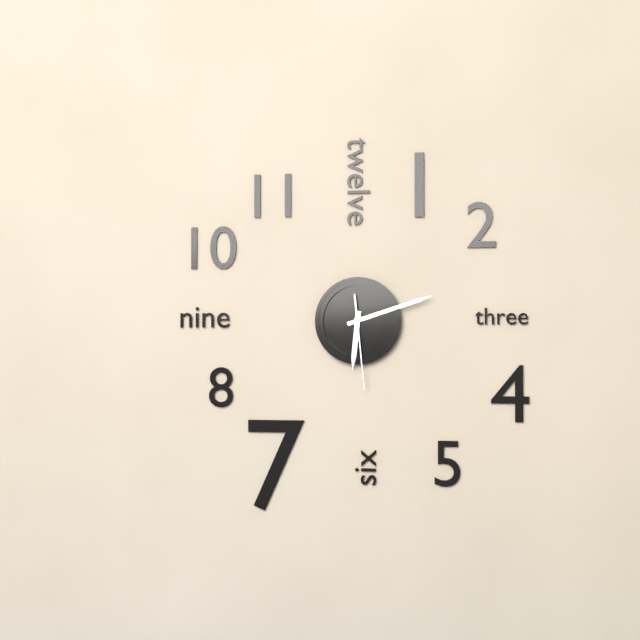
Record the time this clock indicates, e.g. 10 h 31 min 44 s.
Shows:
6 h 12 min 29 s
